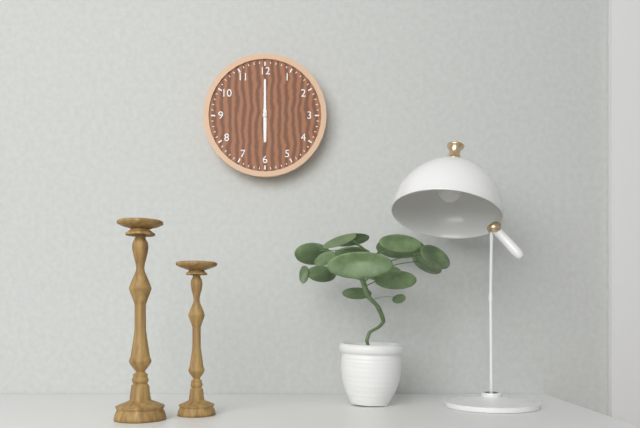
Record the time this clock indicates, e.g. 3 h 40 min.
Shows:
6 h 00 min
